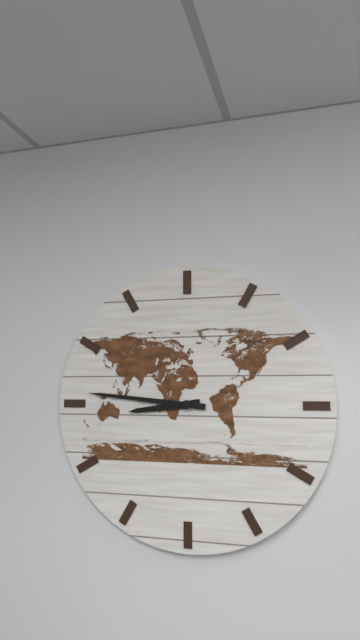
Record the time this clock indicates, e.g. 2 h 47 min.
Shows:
8 h 46 min
